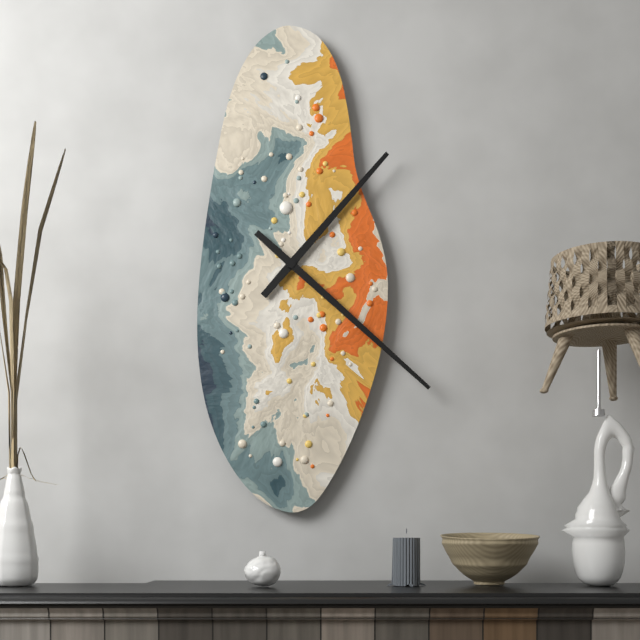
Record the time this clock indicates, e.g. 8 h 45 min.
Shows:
1 h 22 min
